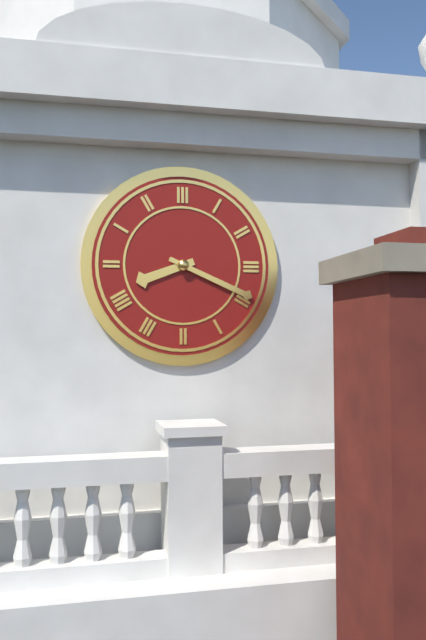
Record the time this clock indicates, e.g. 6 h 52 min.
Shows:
8 h 19 min
